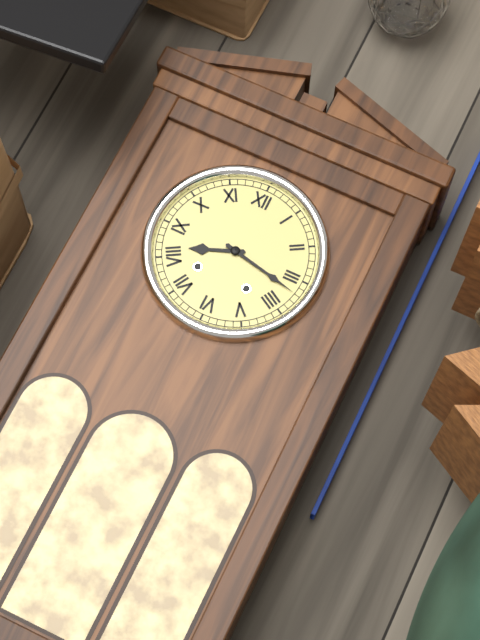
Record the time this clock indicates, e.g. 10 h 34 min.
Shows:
8 h 17 min
